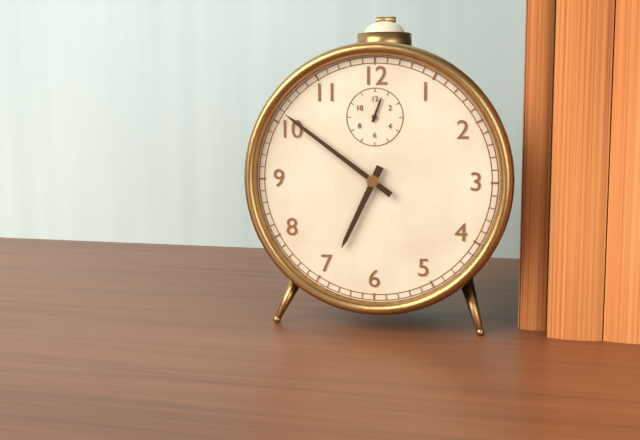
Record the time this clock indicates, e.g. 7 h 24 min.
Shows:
6 h 51 min
